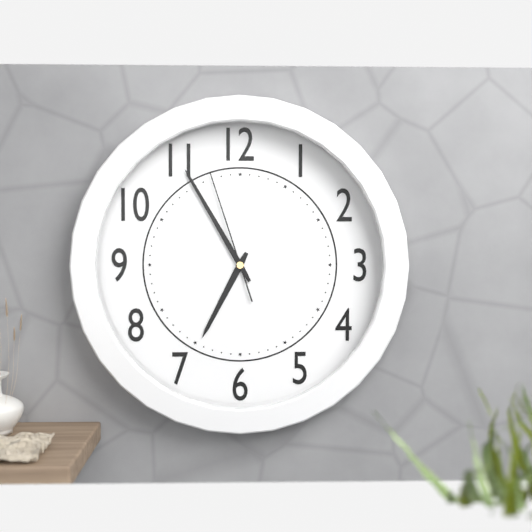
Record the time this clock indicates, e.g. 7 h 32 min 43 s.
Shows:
6 h 55 min 57 s
